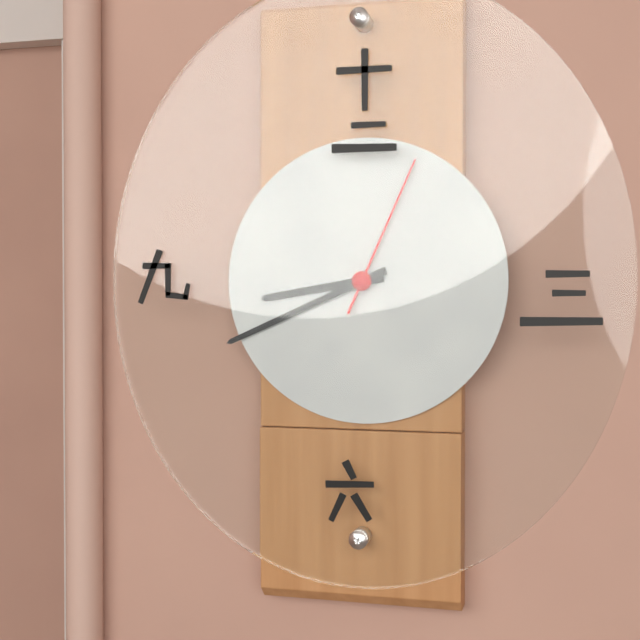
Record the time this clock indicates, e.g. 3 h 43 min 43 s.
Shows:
8 h 41 min 04 s
